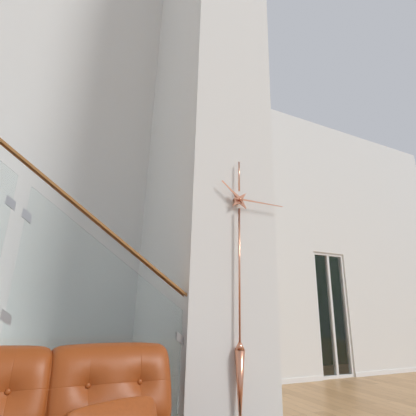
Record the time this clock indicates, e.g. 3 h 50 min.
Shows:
10 h 15 min
